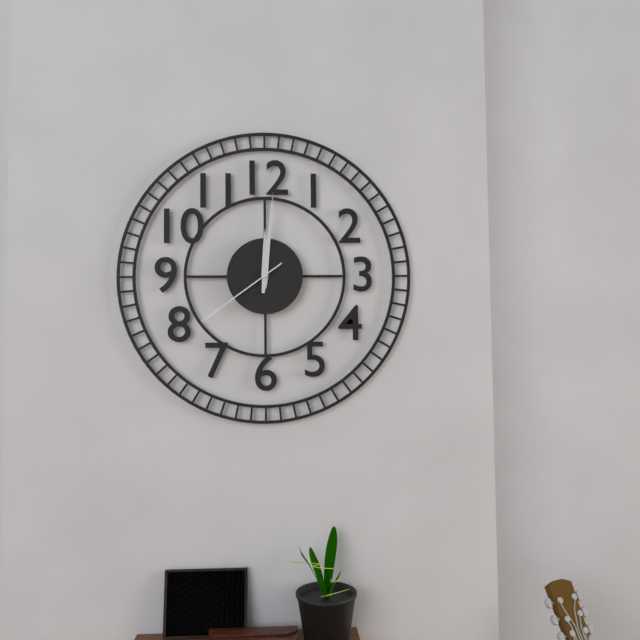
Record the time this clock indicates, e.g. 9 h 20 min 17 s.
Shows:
12 h 01 min 39 s
